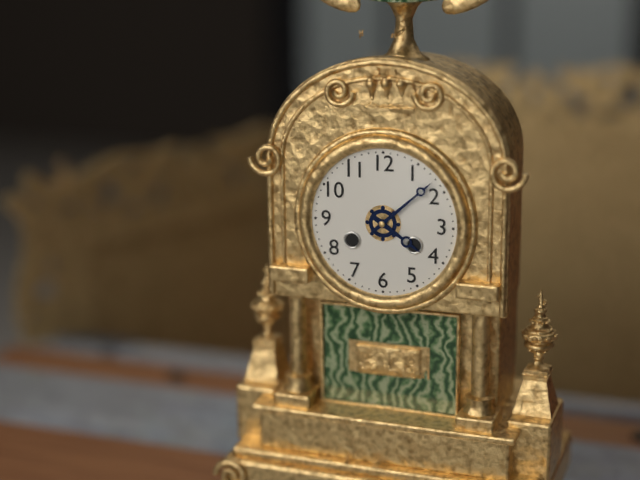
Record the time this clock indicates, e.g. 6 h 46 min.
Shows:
4 h 08 min
